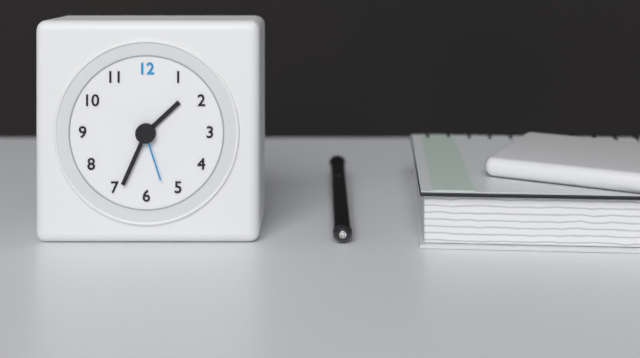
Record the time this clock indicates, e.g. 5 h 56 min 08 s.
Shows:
1 h 34 min 27 s
